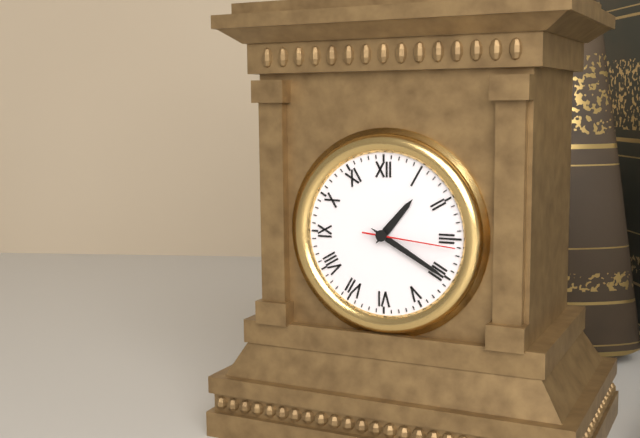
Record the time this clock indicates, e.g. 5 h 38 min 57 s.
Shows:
1 h 20 min 16 s
